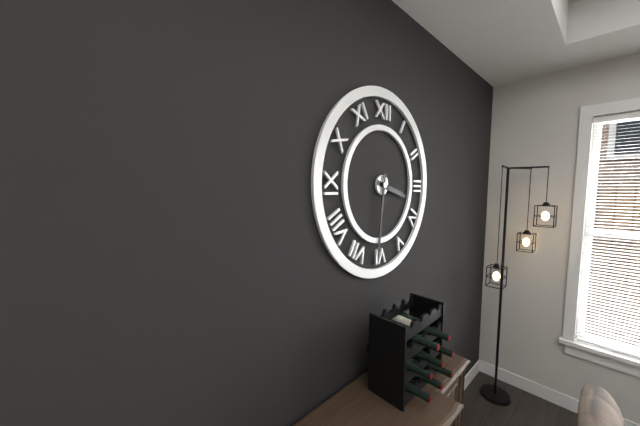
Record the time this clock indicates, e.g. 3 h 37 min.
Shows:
3 h 31 min
